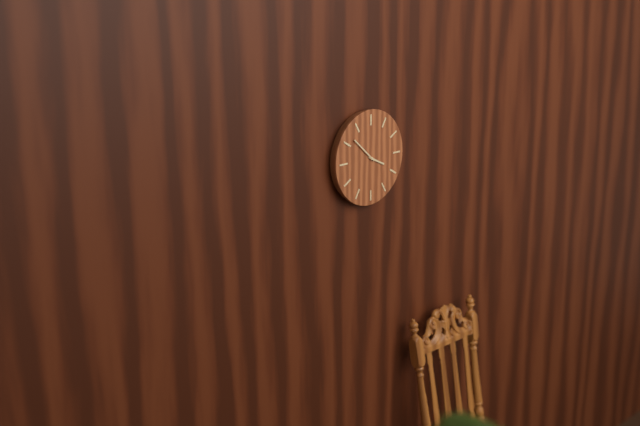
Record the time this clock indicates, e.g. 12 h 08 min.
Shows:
3 h 52 min
